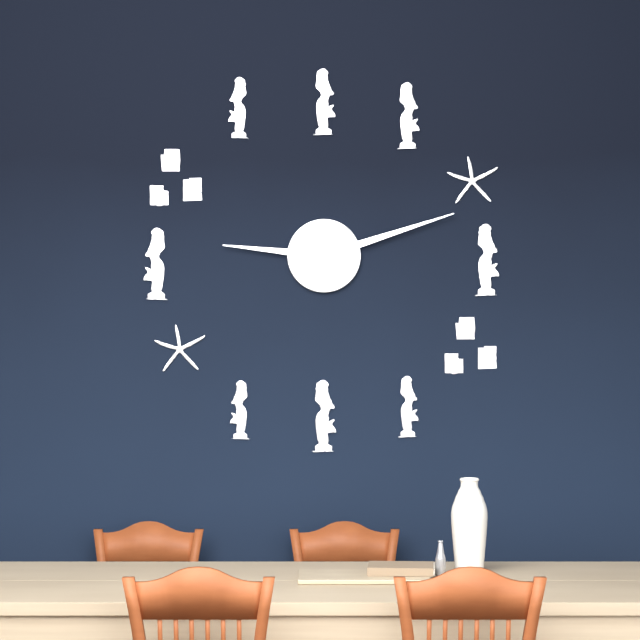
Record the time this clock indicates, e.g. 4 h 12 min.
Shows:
9 h 12 min
